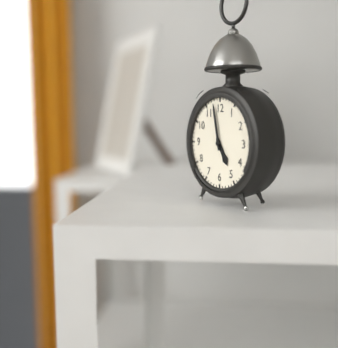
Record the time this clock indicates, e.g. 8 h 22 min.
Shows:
4 h 58 min
